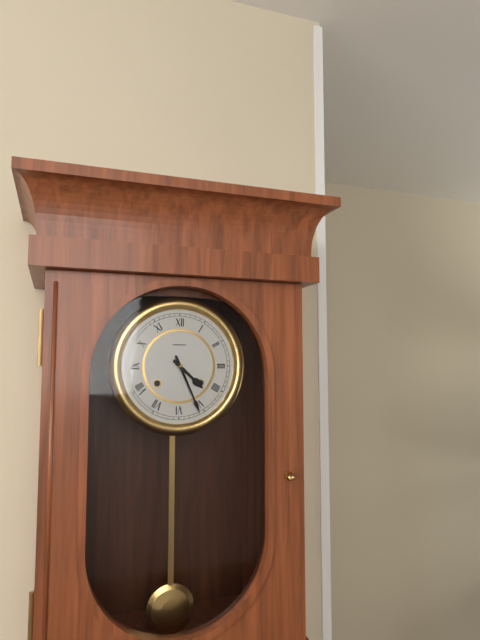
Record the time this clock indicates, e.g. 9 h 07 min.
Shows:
4 h 26 min
